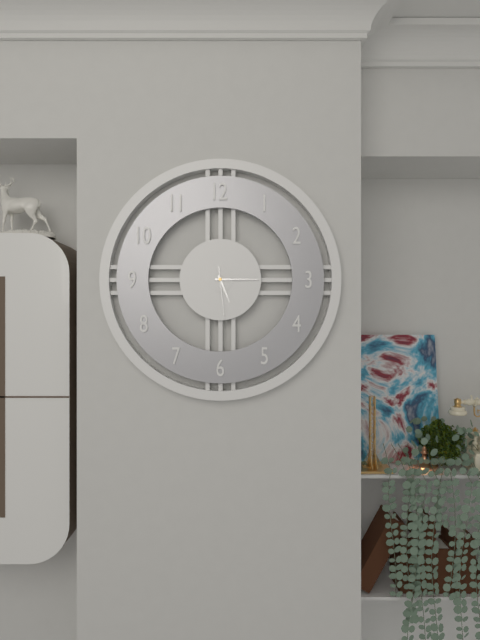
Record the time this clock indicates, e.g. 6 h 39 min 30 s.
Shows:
5 h 15 min 29 s
